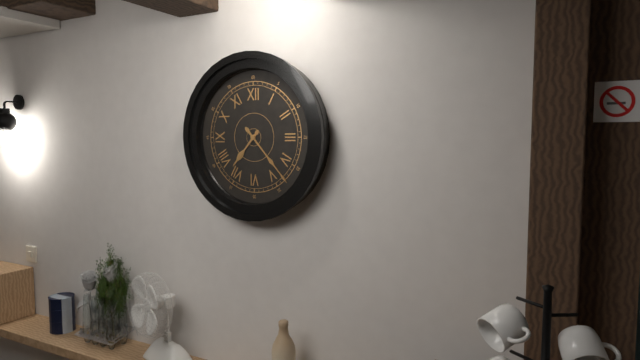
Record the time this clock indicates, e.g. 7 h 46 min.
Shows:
7 h 23 min
